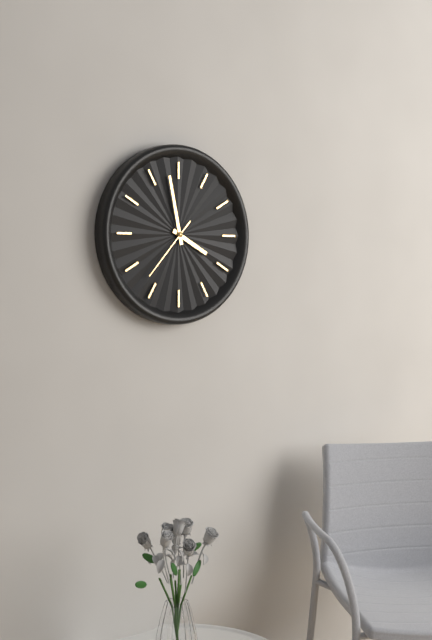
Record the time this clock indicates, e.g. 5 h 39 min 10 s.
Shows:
3 h 58 min 37 s
